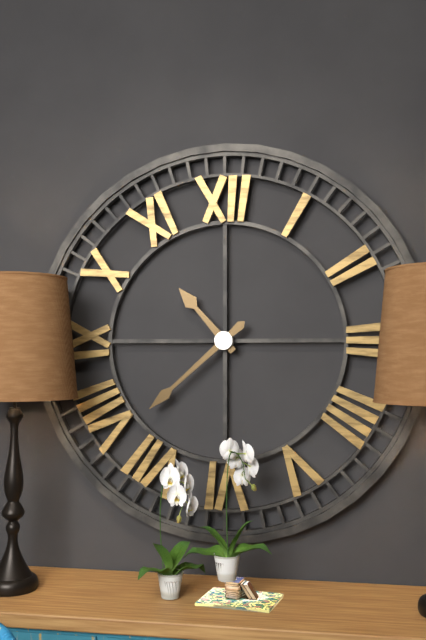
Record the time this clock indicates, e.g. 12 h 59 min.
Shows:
10 h 38 min
